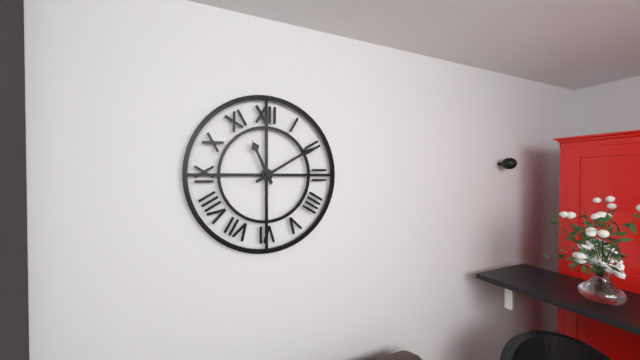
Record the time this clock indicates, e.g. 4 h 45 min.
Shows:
11 h 10 min
